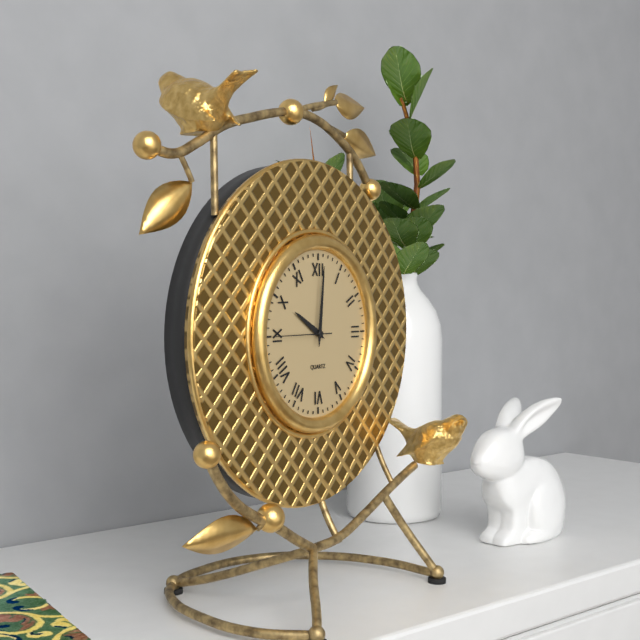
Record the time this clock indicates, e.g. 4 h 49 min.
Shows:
10 h 01 min
